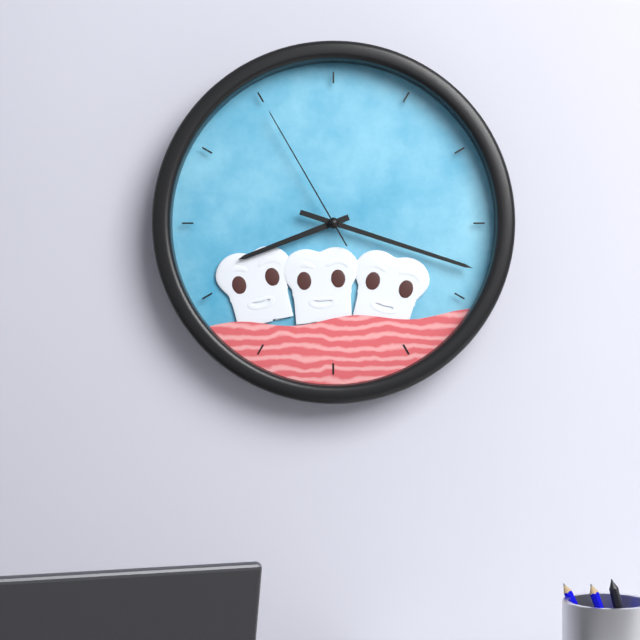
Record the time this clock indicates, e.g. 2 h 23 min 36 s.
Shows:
8 h 18 min 55 s
